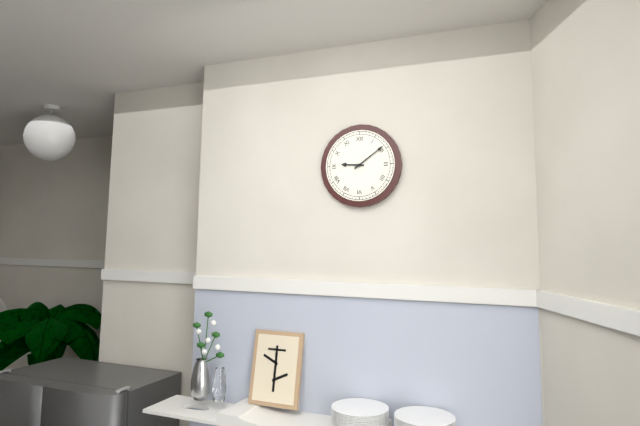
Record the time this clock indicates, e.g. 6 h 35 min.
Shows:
9 h 09 min
